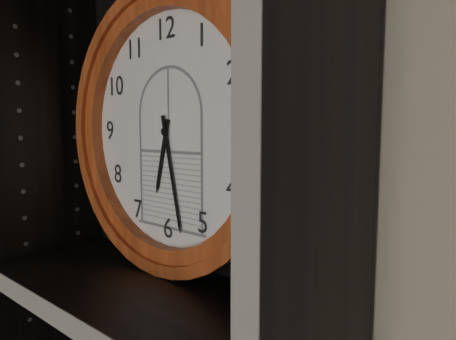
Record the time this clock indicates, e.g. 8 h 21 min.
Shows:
6 h 28 min
